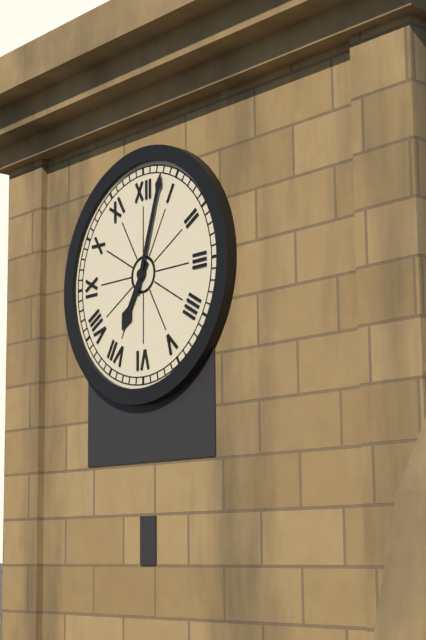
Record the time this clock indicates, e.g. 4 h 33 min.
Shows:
7 h 03 min
